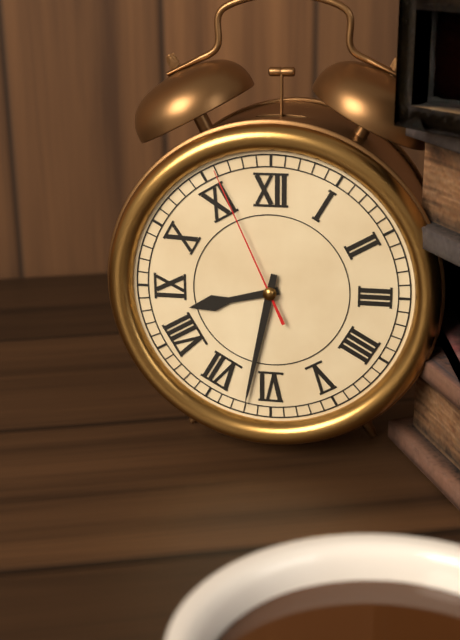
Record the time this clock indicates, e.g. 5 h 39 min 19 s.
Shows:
8 h 32 min 56 s
